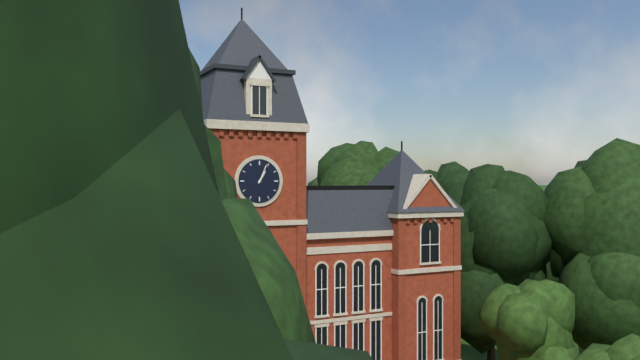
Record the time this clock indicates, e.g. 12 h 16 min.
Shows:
1 h 04 min
